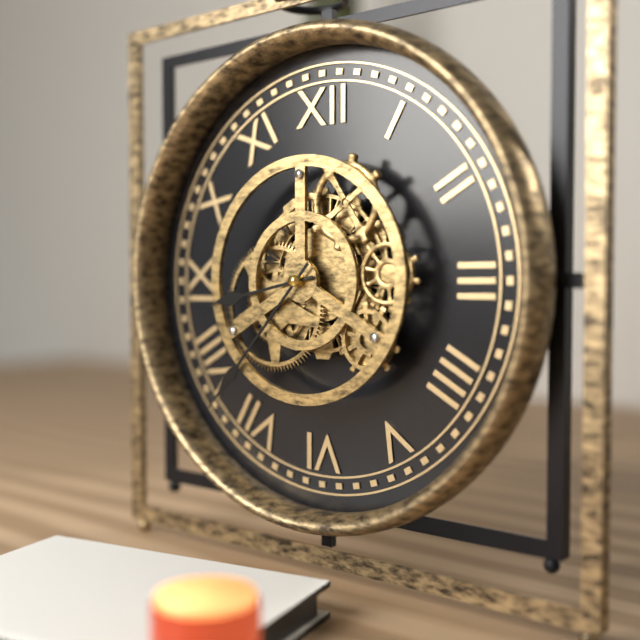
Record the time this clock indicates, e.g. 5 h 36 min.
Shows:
8 h 37 min
